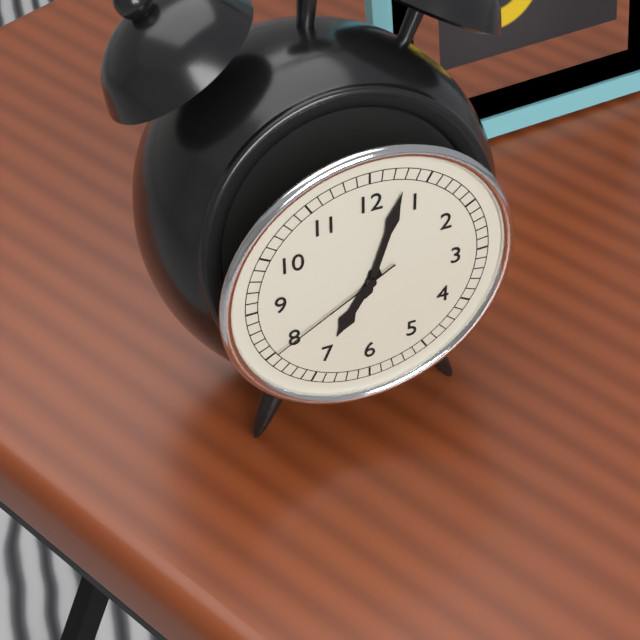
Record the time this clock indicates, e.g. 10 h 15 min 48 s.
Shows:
7 h 03 min 40 s
